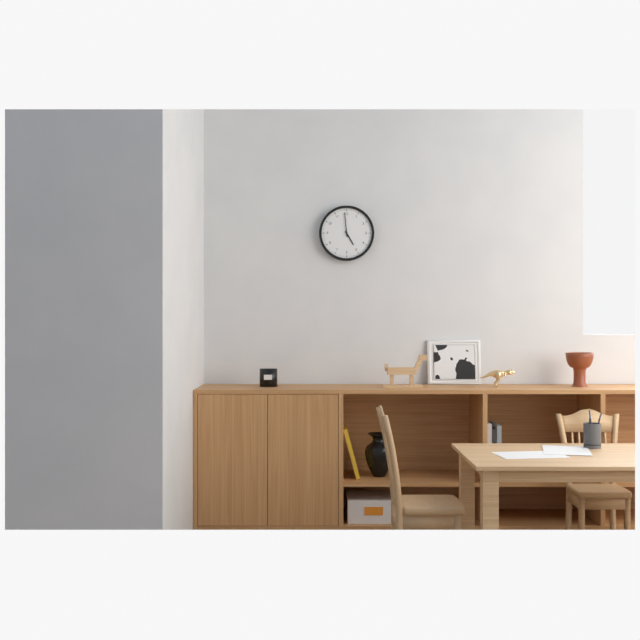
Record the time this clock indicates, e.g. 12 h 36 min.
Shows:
4 h 59 min
